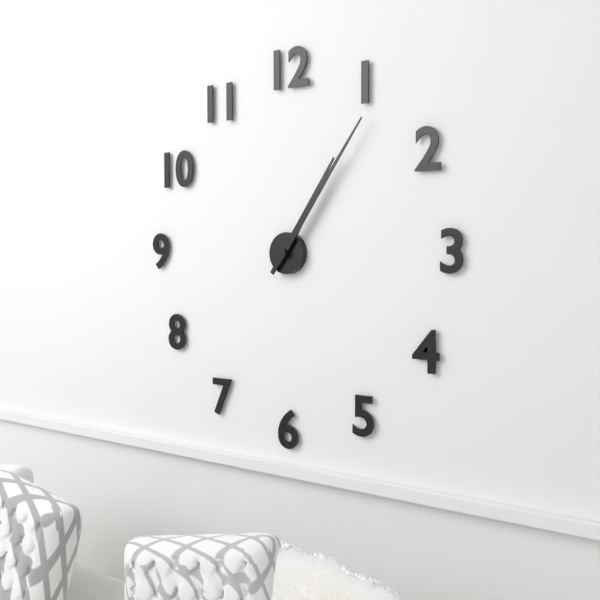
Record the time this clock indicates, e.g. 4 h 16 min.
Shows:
1 h 06 min
